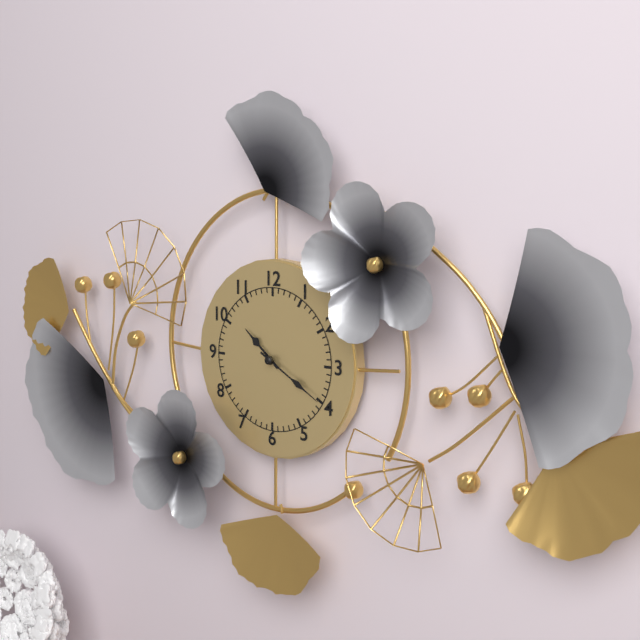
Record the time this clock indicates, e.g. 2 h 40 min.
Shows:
10 h 20 min
